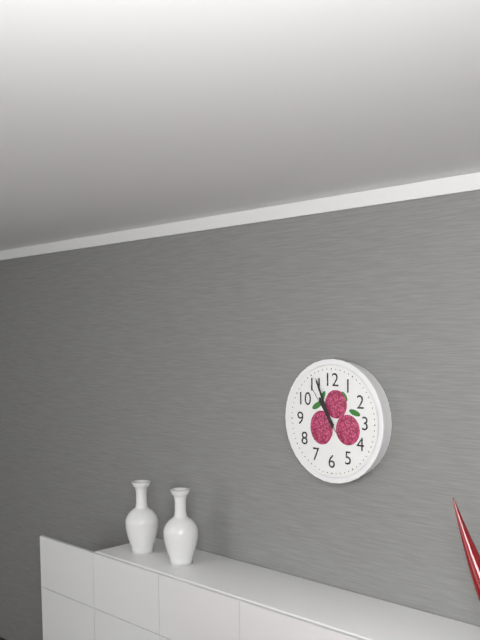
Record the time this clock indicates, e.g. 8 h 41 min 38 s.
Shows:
10 h 56 min 54 s
